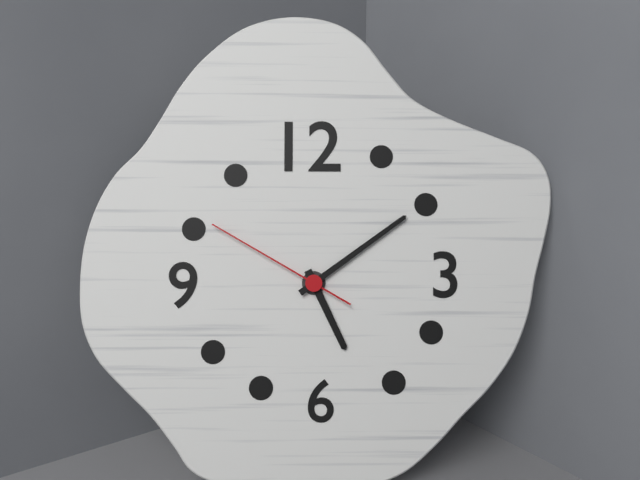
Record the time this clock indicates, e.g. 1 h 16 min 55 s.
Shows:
5 h 09 min 50 s
